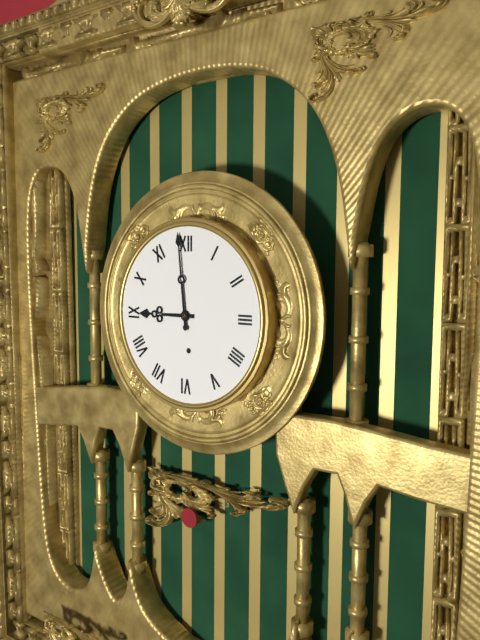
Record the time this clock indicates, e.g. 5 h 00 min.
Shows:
8 h 59 min
